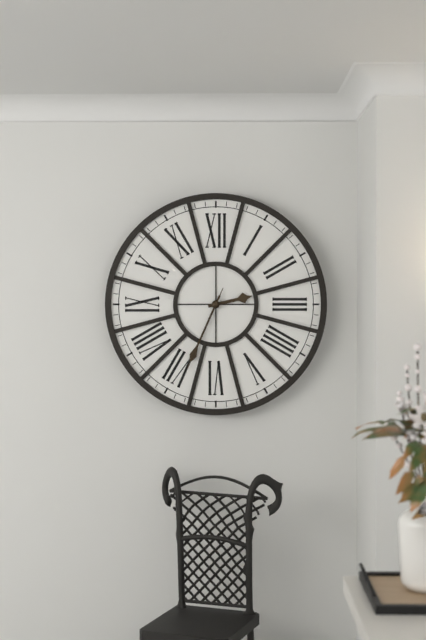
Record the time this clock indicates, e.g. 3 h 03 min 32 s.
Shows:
2 h 34 min 34 s
